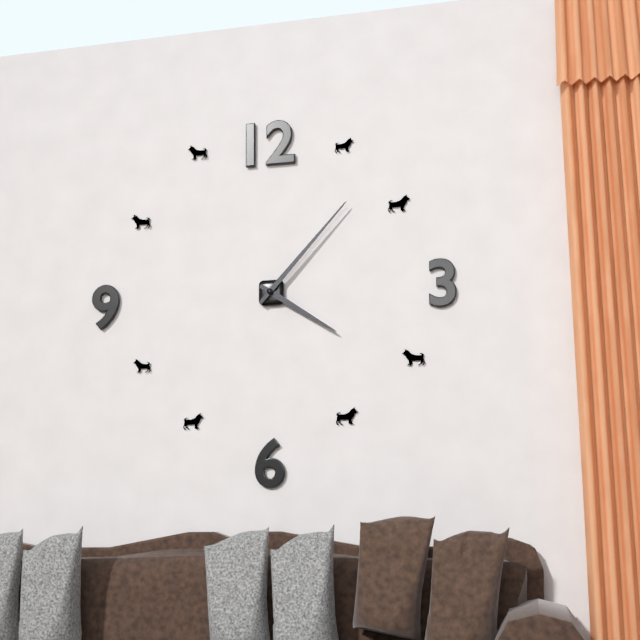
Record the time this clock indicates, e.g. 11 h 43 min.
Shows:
4 h 07 min
